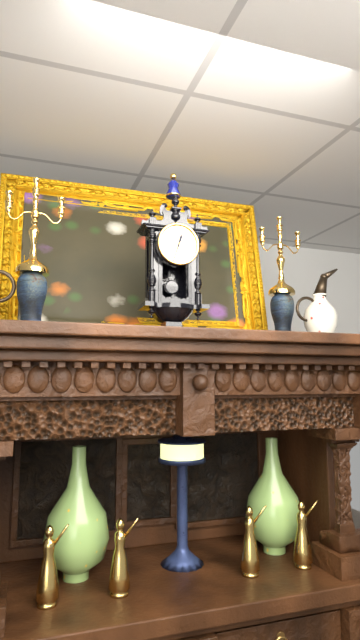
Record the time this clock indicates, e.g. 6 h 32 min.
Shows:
12 h 33 min
